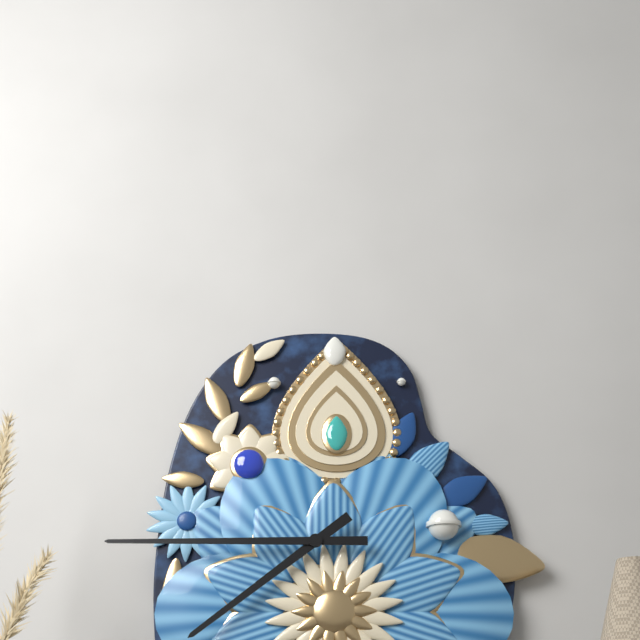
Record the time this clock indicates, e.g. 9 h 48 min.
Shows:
7 h 45 min
